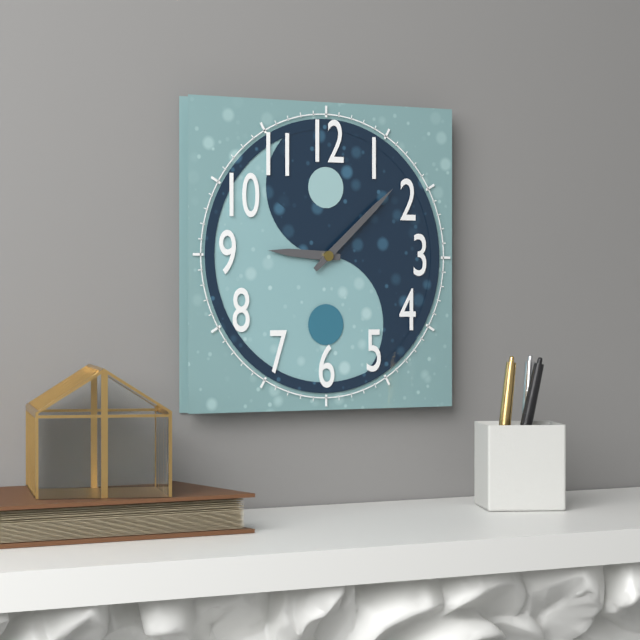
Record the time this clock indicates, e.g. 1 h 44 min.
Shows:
9 h 08 min
